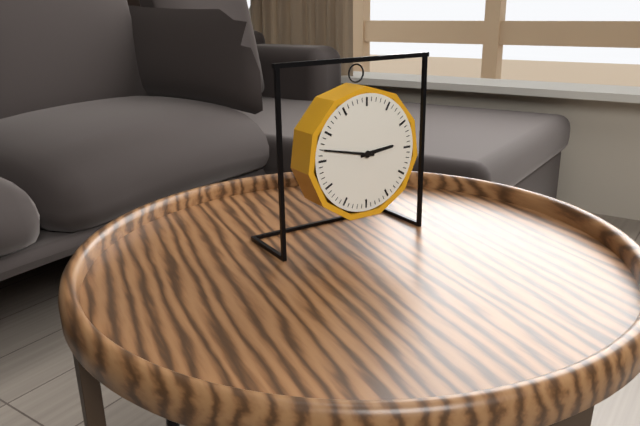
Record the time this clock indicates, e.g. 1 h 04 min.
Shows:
2 h 47 min
